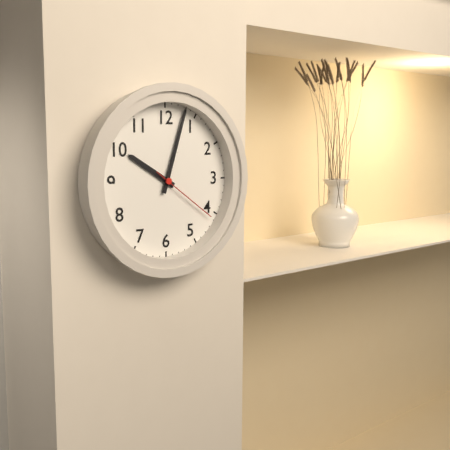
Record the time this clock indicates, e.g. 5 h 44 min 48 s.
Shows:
10 h 03 min 21 s
